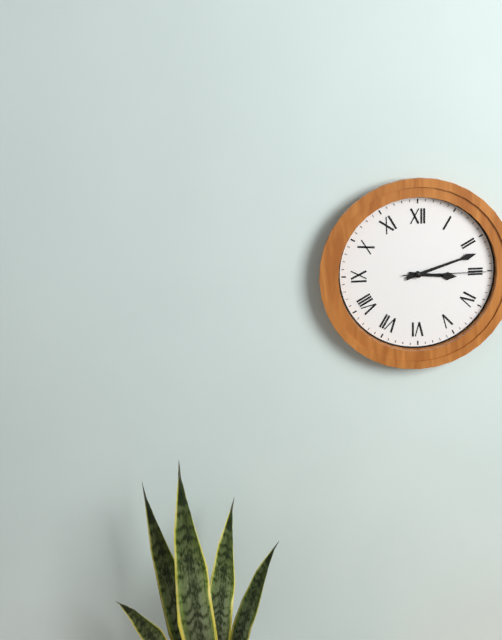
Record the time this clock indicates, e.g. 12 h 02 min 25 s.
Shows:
3 h 12 min 15 s
